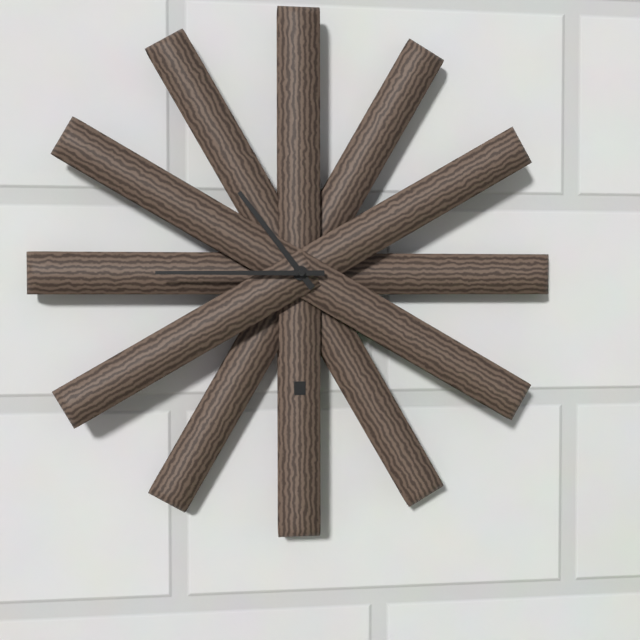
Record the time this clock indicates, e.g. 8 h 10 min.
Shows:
10 h 45 min
